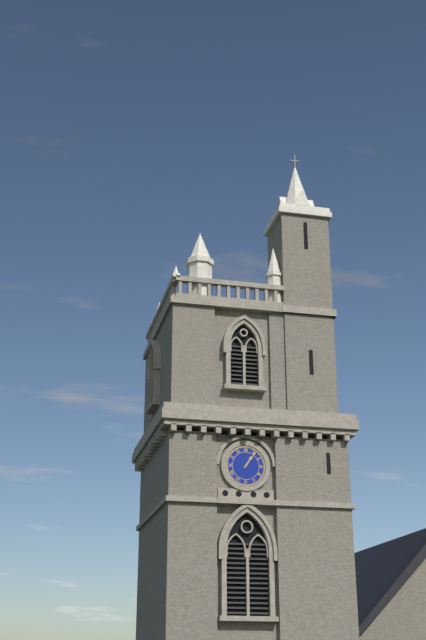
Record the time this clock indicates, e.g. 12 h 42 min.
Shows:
1 h 06 min
